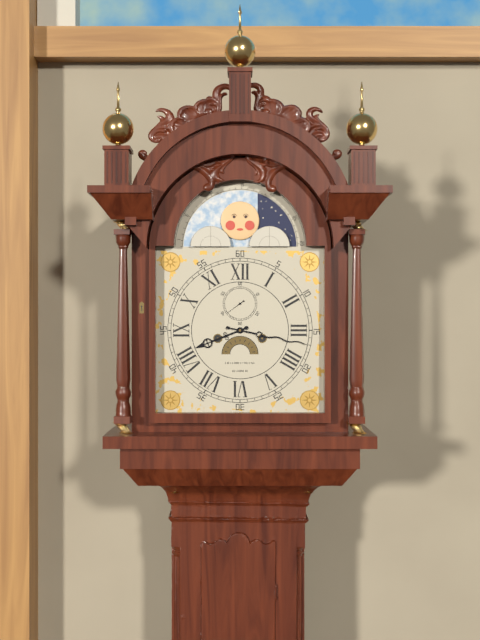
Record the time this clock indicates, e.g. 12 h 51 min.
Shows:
8 h 17 min
